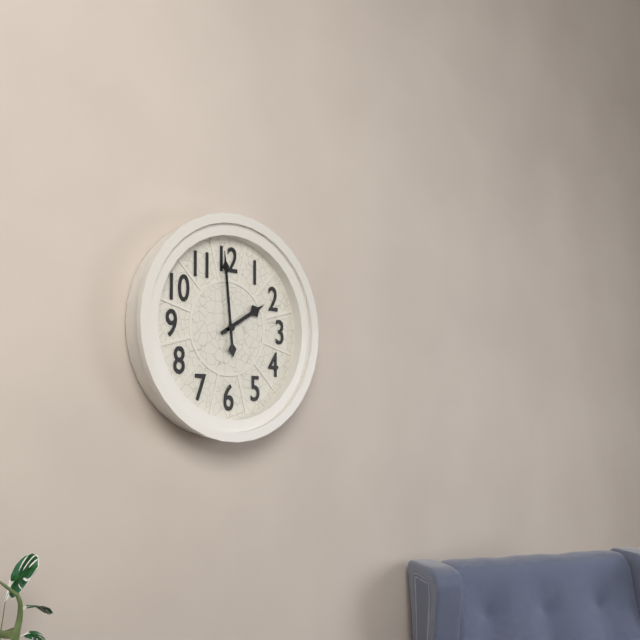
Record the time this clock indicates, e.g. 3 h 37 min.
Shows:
1 h 59 min
